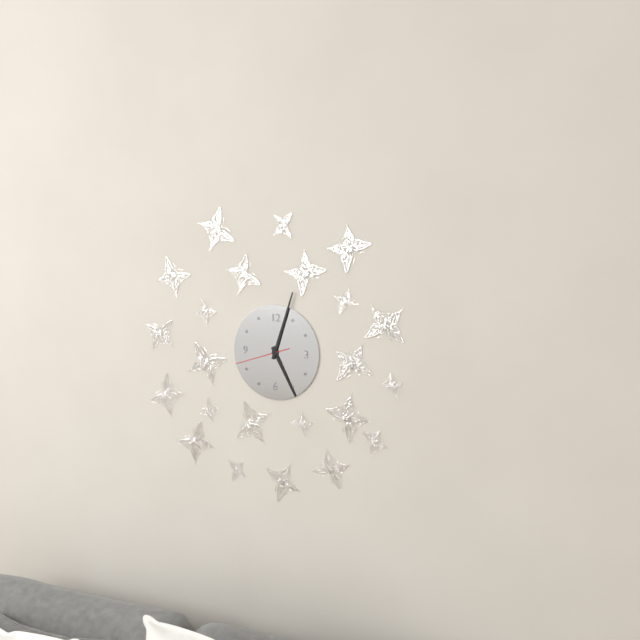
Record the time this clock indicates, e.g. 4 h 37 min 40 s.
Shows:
5 h 03 min 42 s
